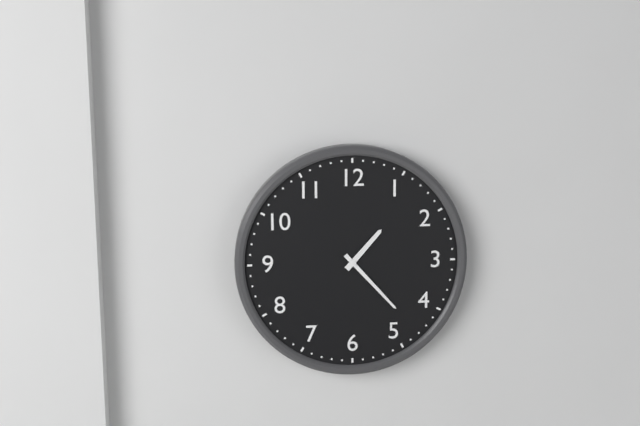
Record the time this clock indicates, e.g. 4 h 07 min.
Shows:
1 h 23 min
